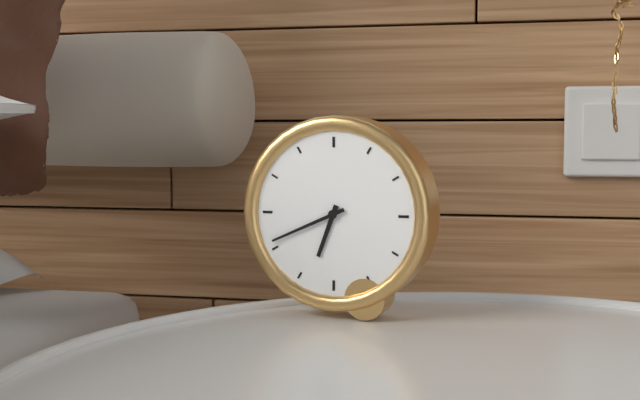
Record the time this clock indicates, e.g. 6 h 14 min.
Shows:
6 h 41 min
